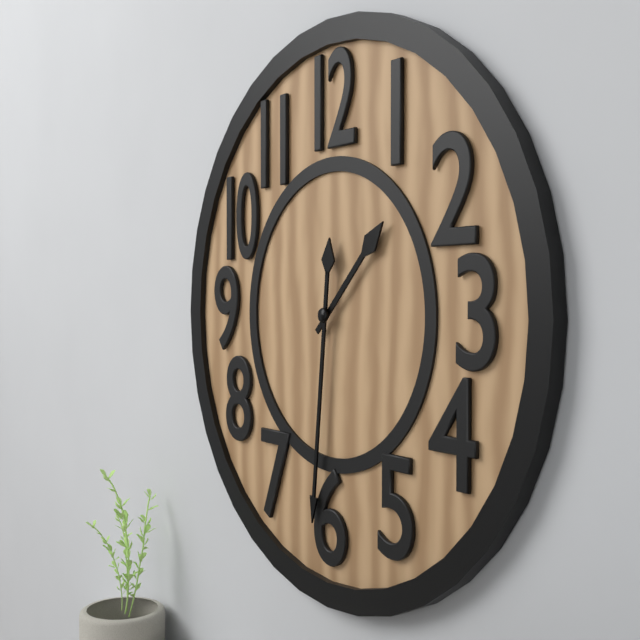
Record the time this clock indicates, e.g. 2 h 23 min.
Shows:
1 h 31 min
